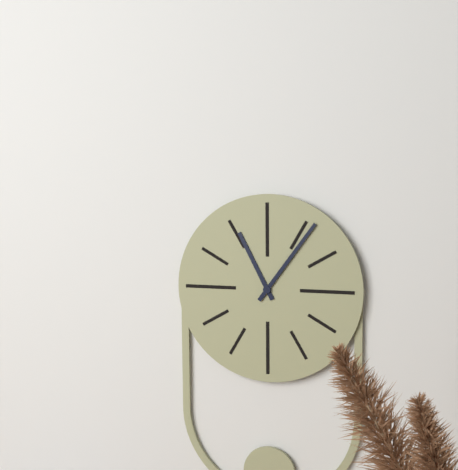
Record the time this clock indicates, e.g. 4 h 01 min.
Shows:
11 h 06 min
